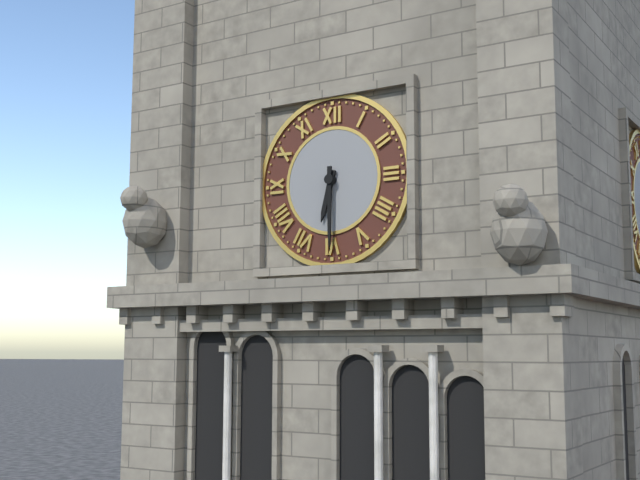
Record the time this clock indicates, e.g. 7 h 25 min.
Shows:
6 h 30 min
